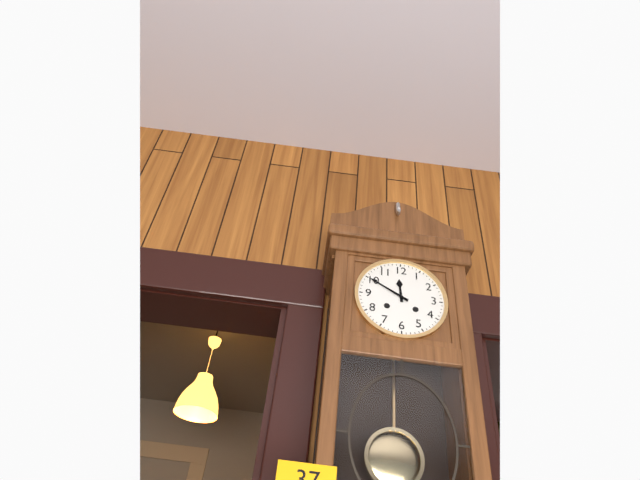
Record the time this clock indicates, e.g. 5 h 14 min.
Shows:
11 h 50 min
